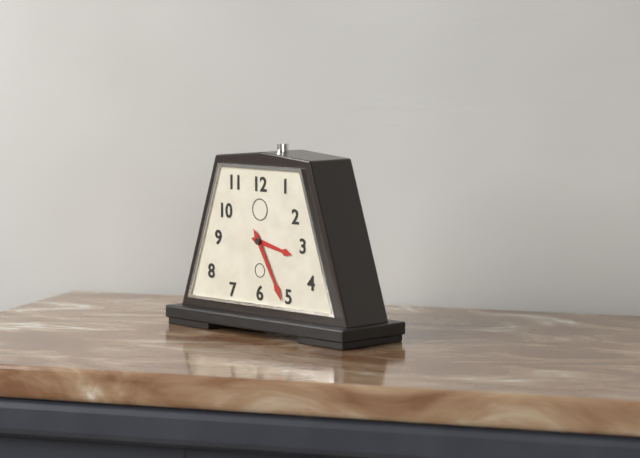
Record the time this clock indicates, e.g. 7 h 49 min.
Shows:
3 h 25 min
